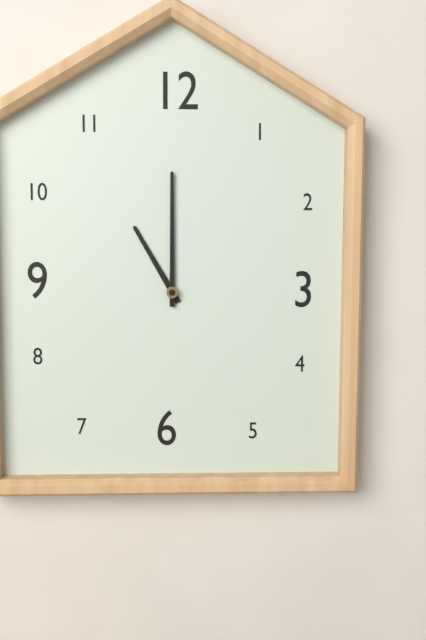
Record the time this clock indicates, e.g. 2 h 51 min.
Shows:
11 h 00 min
